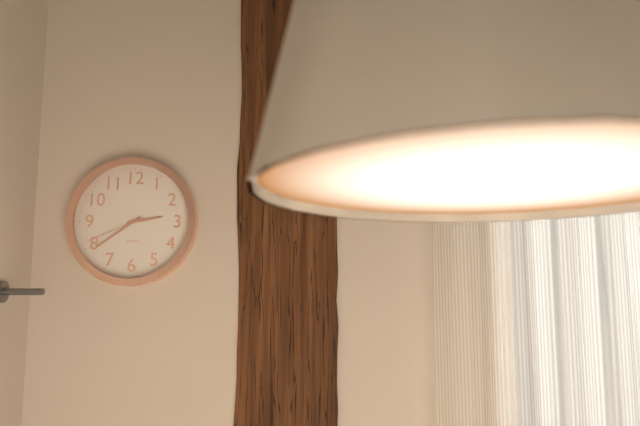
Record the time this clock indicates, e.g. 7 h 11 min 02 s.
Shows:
2 h 39 min 41 s
